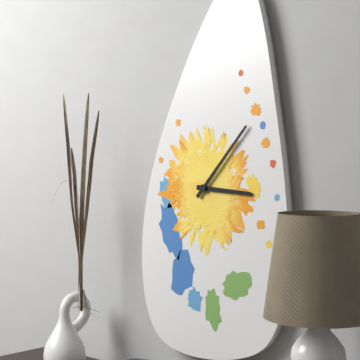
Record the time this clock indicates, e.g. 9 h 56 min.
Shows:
3 h 07 min
